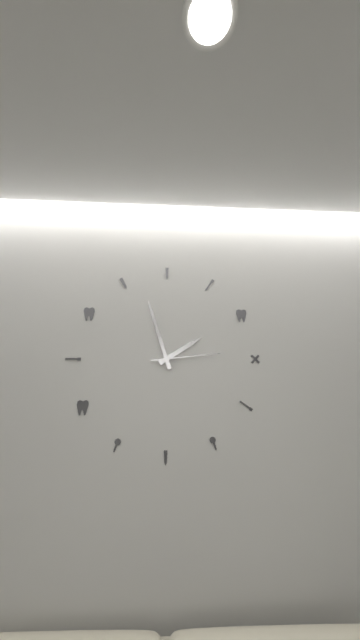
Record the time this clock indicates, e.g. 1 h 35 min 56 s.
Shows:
1 h 57 min 14 s
